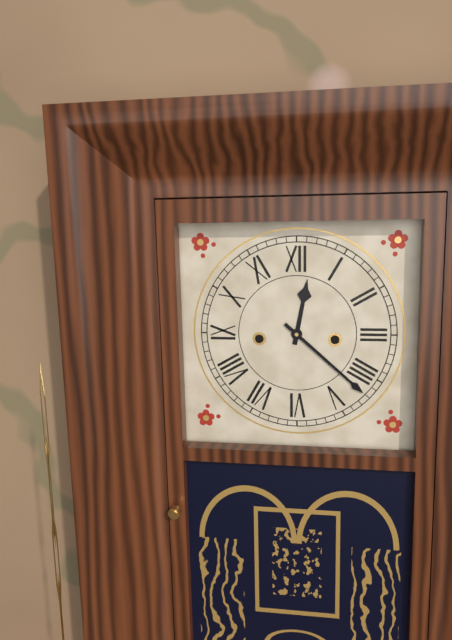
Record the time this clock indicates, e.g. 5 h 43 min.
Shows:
12 h 22 min
